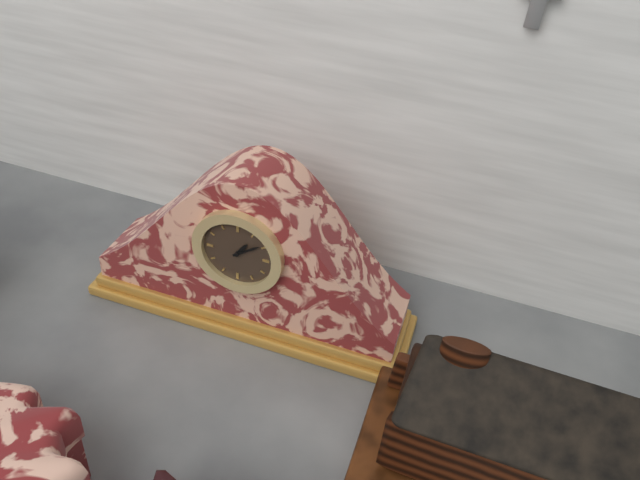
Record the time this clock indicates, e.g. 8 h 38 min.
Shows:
1 h 09 min
